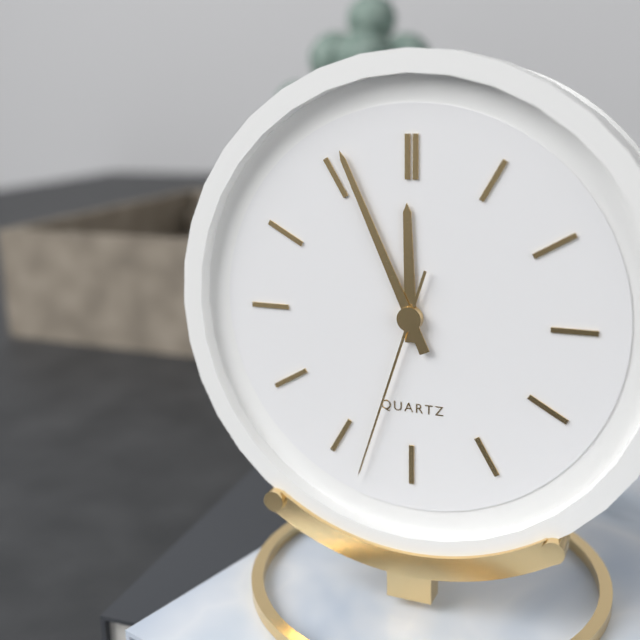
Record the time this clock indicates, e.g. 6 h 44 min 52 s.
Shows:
11 h 56 min 33 s
